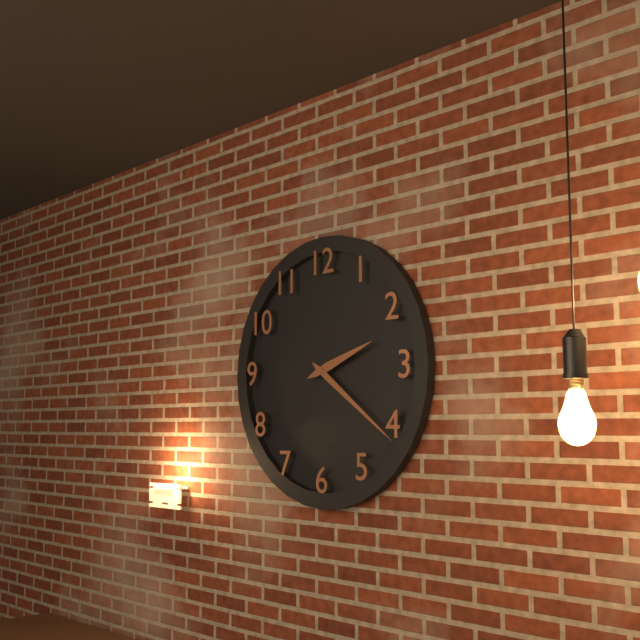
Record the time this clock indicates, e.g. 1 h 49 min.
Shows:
2 h 21 min
